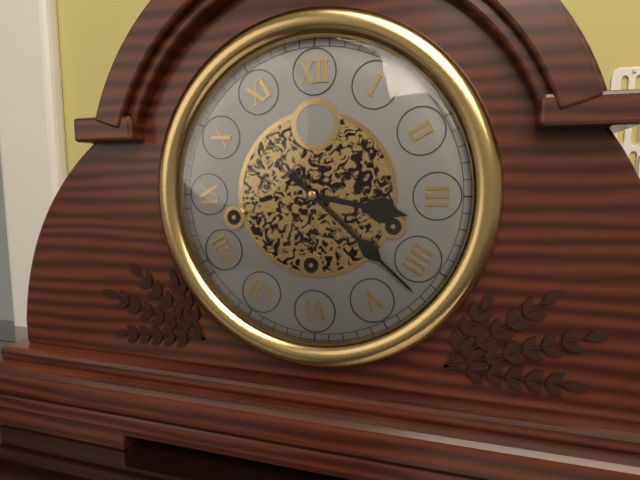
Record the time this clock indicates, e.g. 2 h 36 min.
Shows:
3 h 22 min
